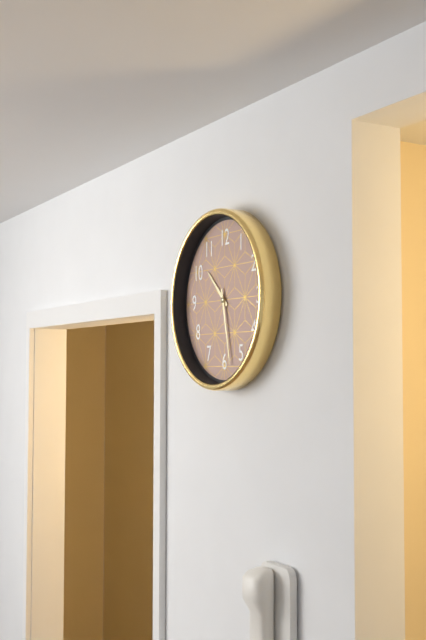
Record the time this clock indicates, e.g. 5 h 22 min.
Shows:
10 h 28 min
